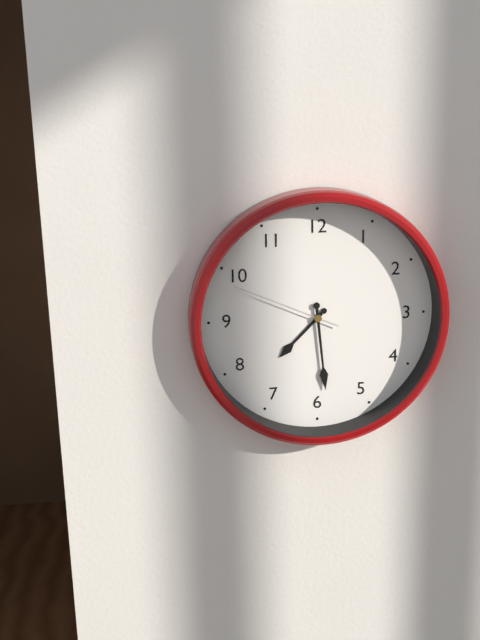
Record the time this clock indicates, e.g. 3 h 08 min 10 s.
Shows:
7 h 29 min 49 s
